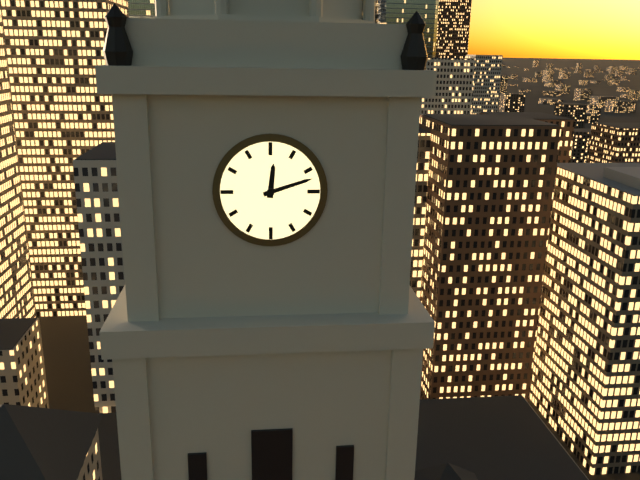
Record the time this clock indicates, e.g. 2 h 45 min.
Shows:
12 h 12 min
